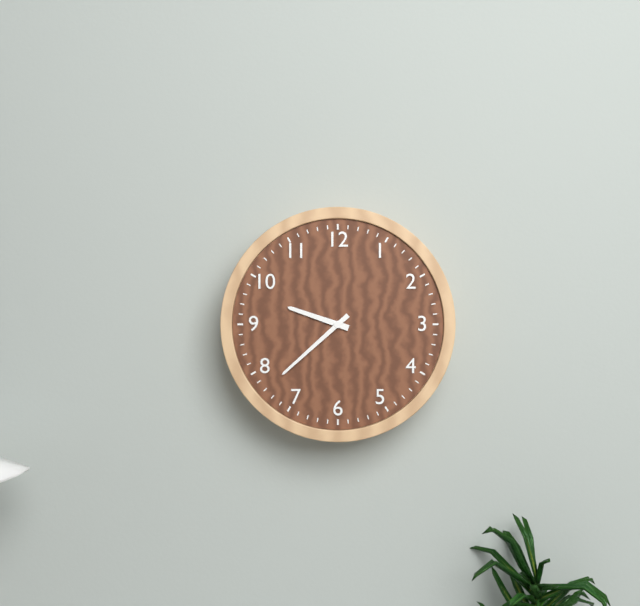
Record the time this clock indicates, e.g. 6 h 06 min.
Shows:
9 h 38 min
